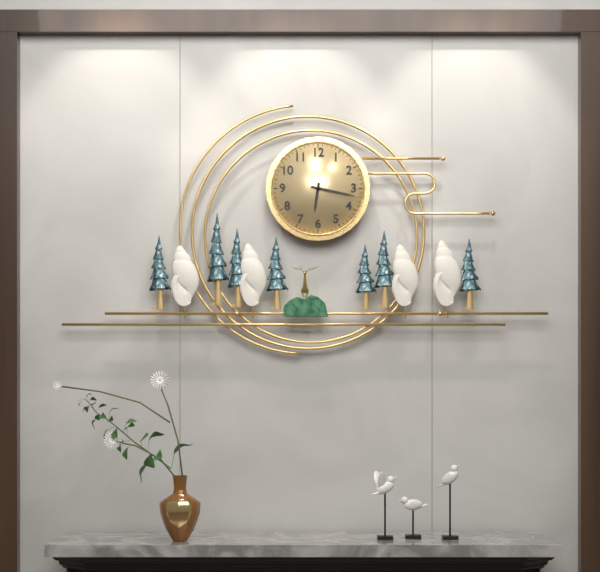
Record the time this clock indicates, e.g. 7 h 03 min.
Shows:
6 h 17 min
